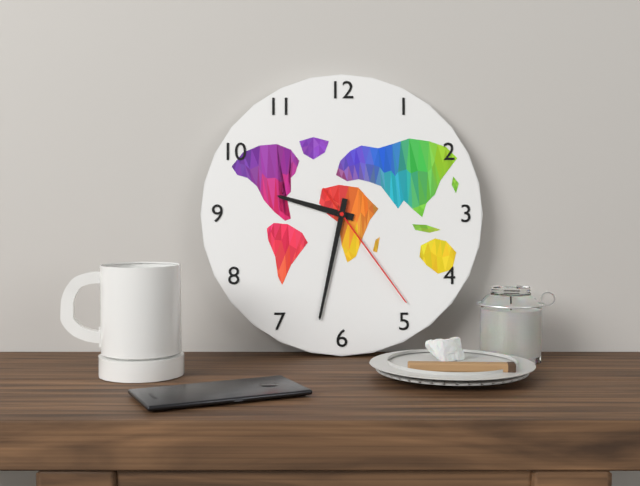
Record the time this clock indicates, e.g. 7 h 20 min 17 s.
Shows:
9 h 32 min 24 s
